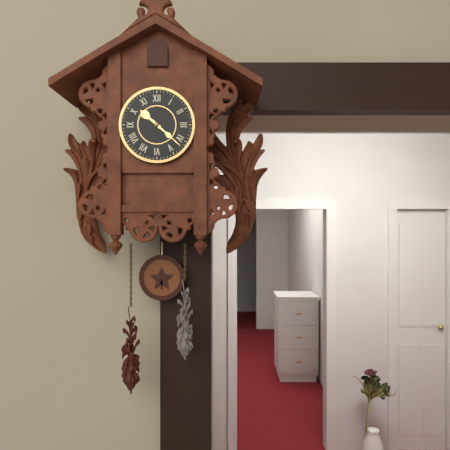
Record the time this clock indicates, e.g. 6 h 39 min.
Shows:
10 h 22 min
